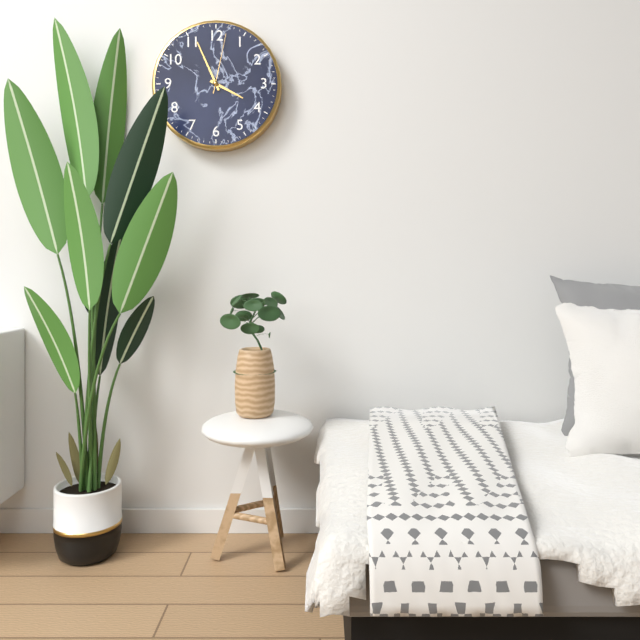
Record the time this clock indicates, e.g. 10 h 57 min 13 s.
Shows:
3 h 56 min 02 s
